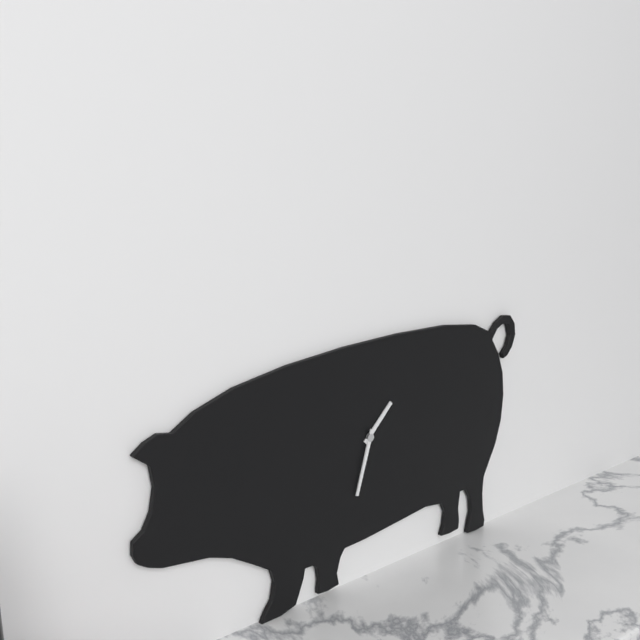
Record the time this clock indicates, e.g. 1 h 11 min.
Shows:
1 h 33 min
